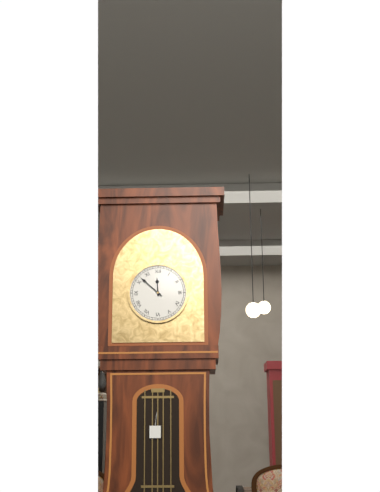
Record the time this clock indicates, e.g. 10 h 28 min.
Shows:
11 h 52 min
